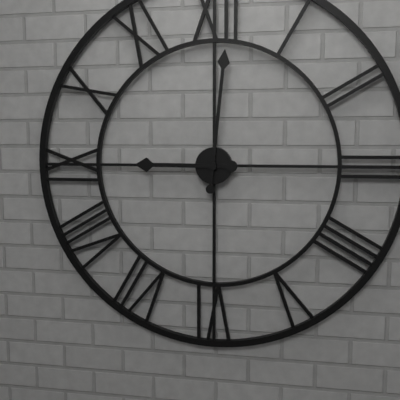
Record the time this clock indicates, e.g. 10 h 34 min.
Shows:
9 h 01 min
